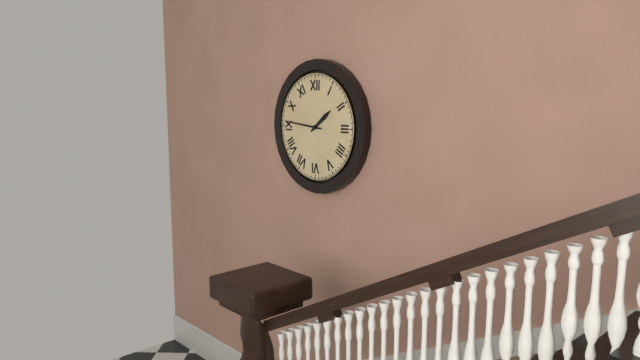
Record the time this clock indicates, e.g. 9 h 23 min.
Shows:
1 h 46 min
